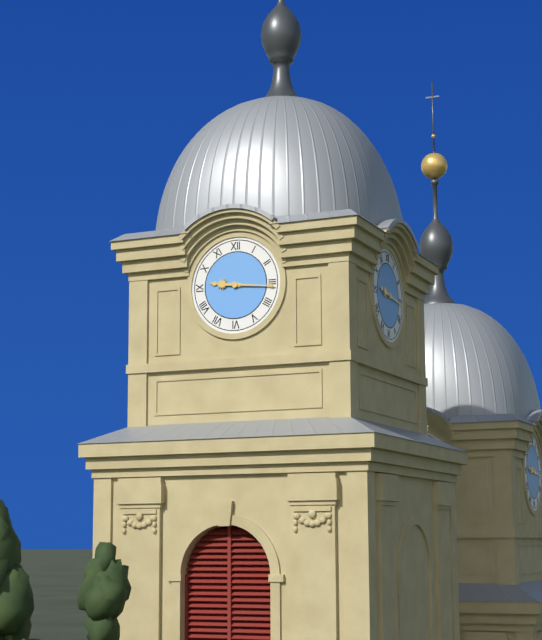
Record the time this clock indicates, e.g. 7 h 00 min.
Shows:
9 h 16 min
